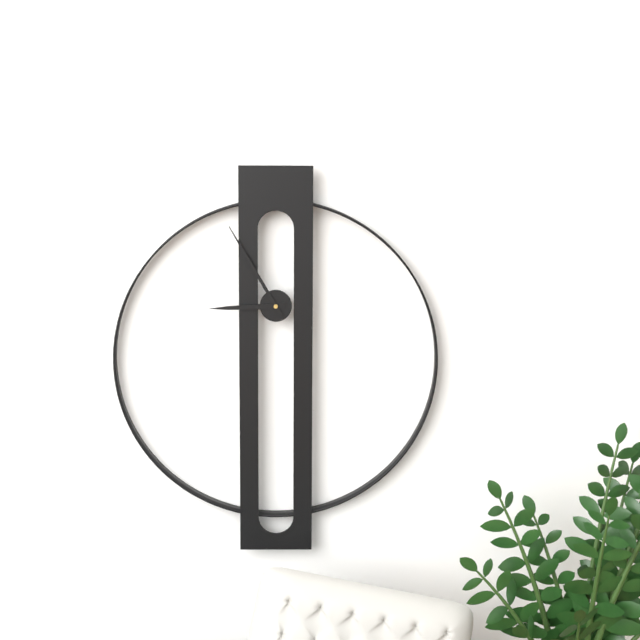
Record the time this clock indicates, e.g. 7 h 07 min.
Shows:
8 h 55 min
